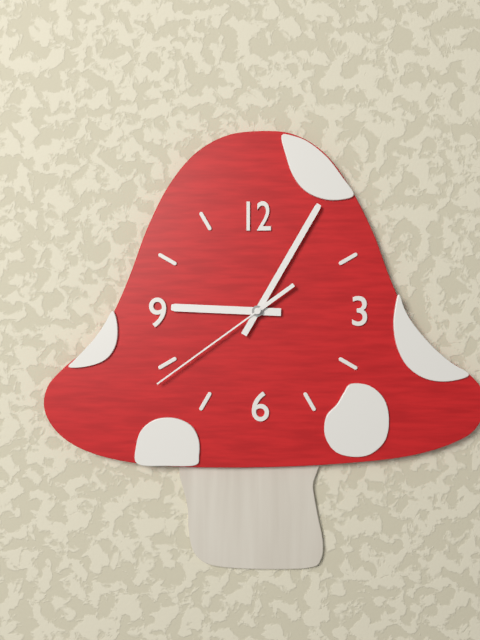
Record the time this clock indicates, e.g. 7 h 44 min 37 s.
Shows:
9 h 05 min 39 s
